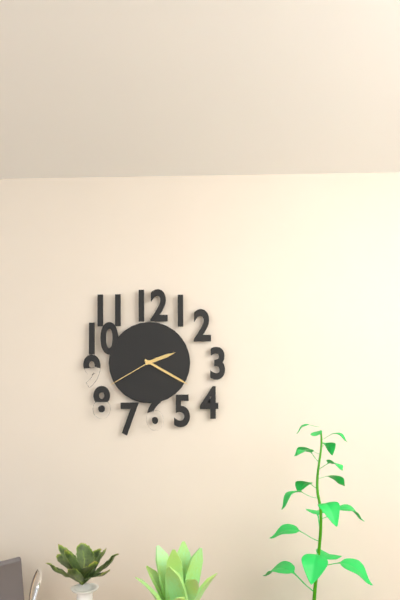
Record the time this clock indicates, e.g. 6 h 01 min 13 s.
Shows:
2 h 20 min 40 s
